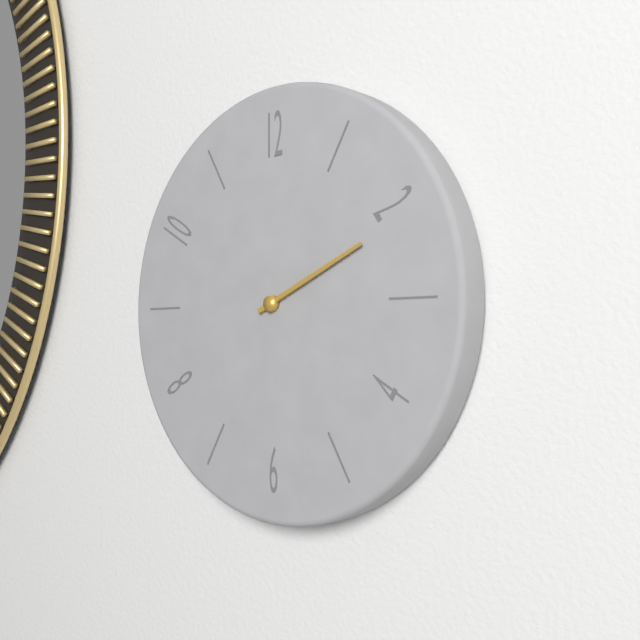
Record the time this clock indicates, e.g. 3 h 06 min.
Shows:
2 h 11 min
